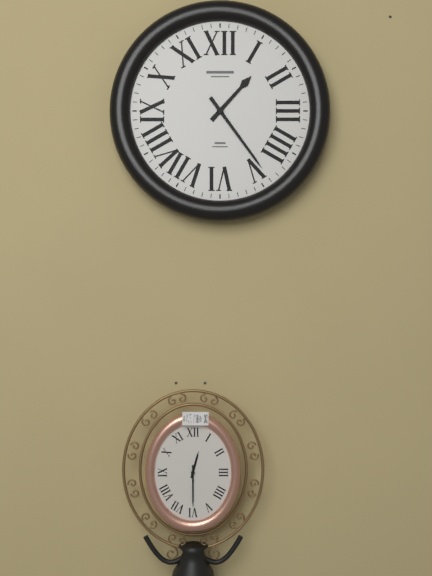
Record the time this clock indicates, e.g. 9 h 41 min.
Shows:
1 h 24 min
